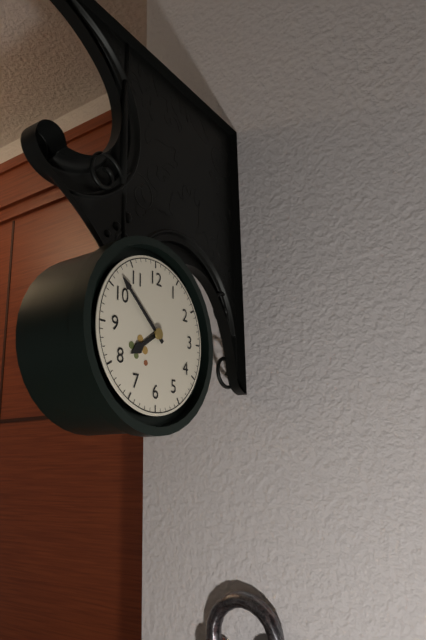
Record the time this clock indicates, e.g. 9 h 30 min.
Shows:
7 h 52 min
